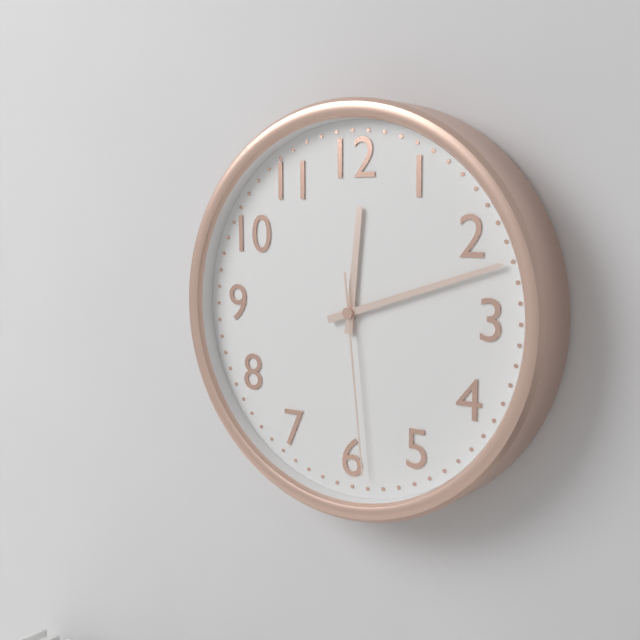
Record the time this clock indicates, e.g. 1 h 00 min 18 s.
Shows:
12 h 12 min 29 s
